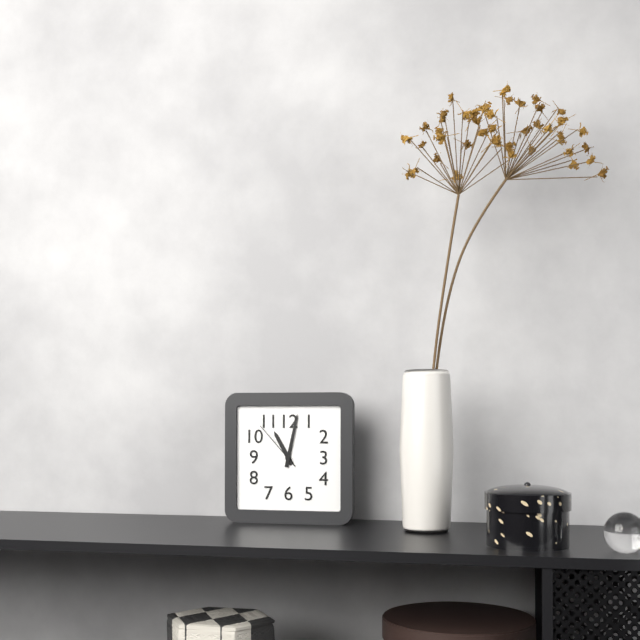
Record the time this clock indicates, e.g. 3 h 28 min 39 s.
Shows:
11 h 02 min 53 s
